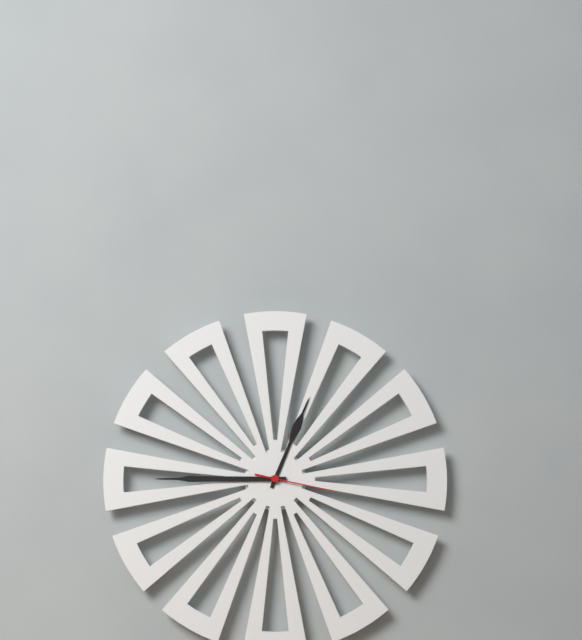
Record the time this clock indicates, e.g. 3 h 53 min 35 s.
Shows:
12 h 45 min 17 s
